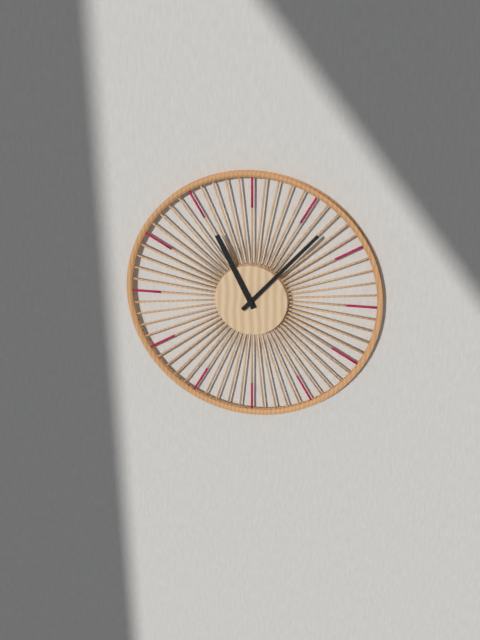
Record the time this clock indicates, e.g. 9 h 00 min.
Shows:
11 h 07 min
